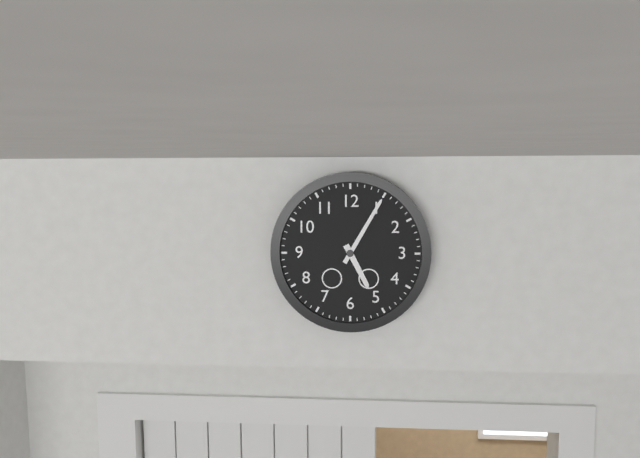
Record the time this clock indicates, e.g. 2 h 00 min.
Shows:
5 h 05 min
